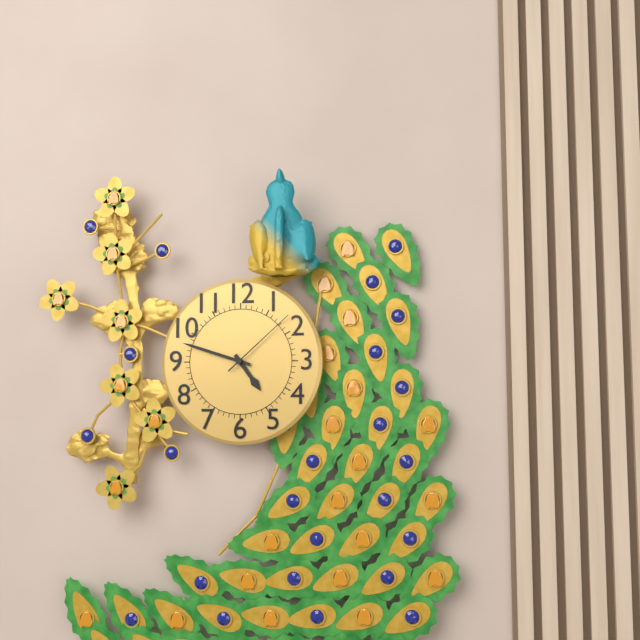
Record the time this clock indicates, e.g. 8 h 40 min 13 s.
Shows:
4 h 48 min 08 s
